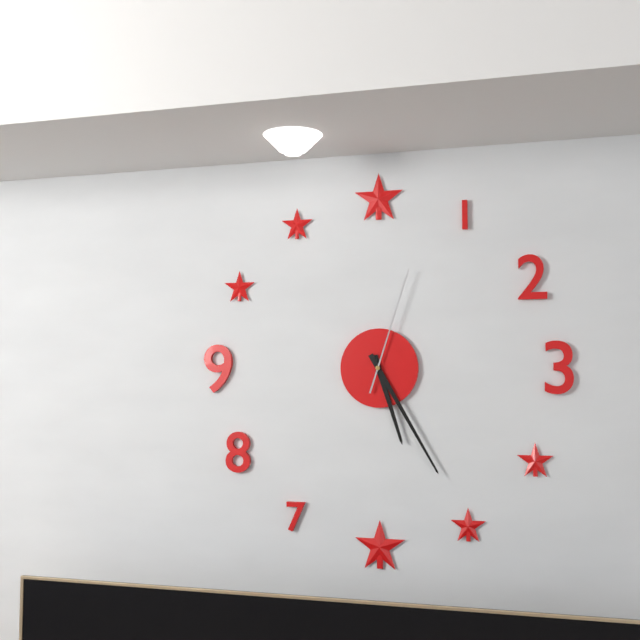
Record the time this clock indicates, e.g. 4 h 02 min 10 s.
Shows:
5 h 25 min 03 s
